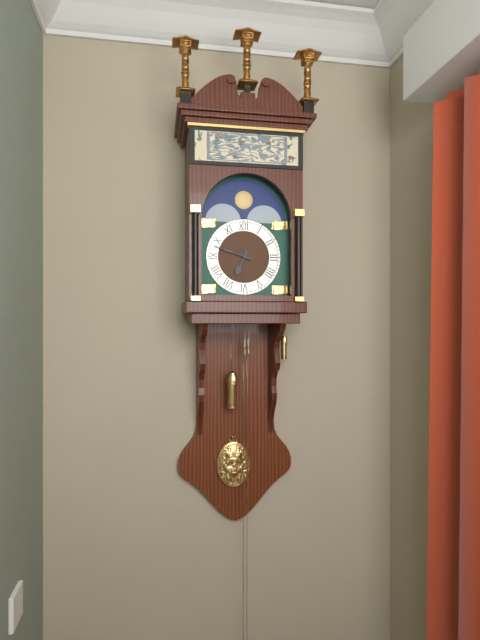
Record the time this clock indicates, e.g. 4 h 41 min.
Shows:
6 h 48 min
